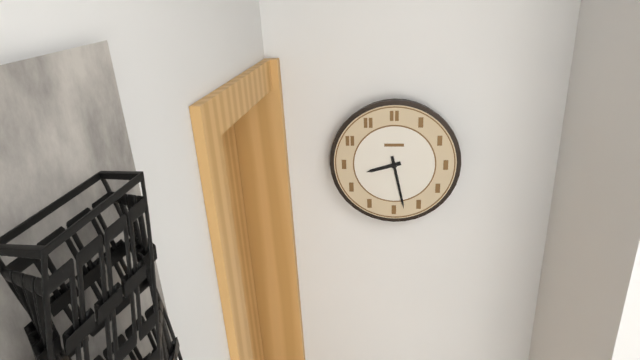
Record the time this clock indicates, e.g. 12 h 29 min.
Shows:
8 h 28 min
